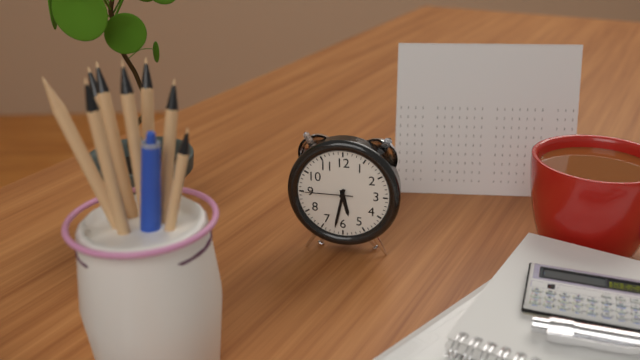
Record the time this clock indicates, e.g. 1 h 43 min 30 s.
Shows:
5 h 32 min 45 s
